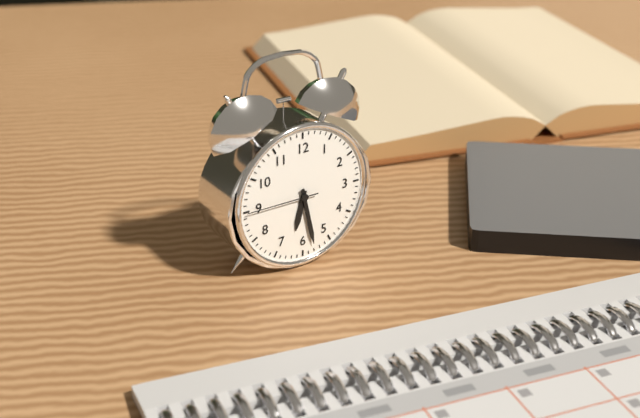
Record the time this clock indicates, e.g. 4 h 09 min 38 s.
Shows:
6 h 28 min 45 s
